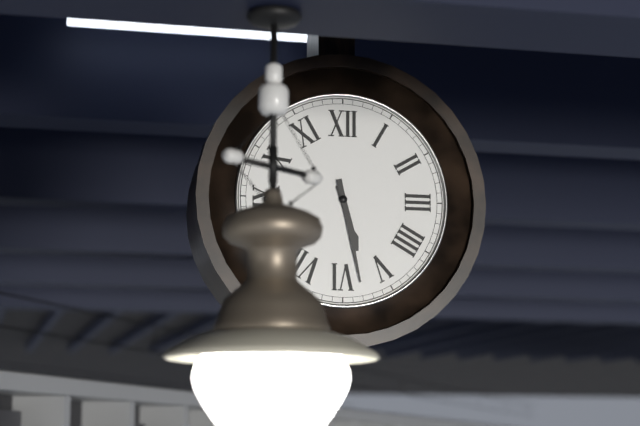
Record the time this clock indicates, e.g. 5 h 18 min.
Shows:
5 h 28 min
